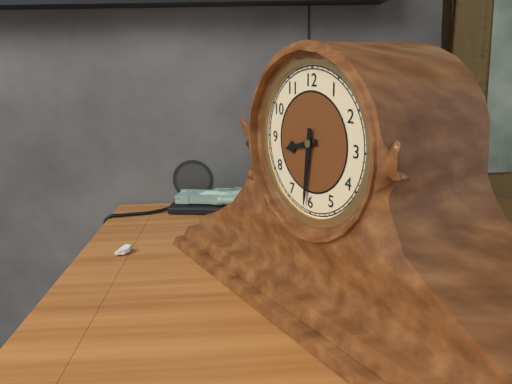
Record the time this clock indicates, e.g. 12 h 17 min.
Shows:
8 h 31 min
